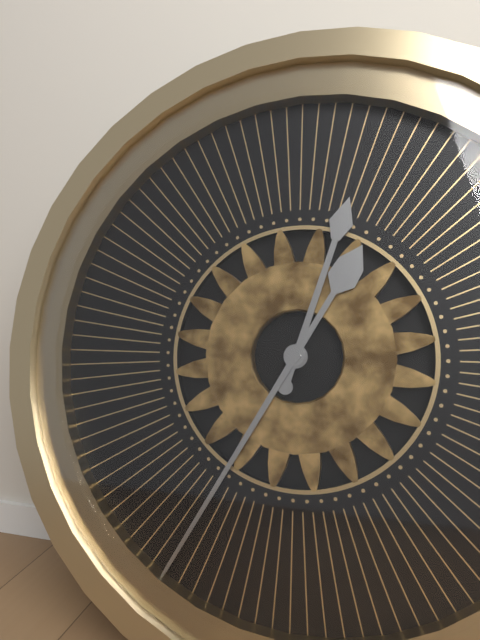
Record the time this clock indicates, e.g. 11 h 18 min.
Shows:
12 h 35 min
